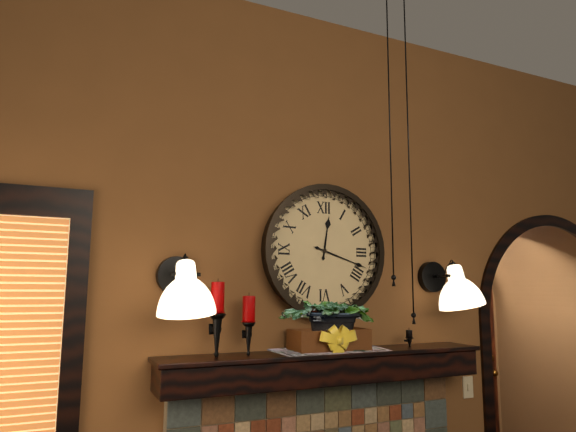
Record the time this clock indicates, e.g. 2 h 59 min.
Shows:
12 h 18 min
